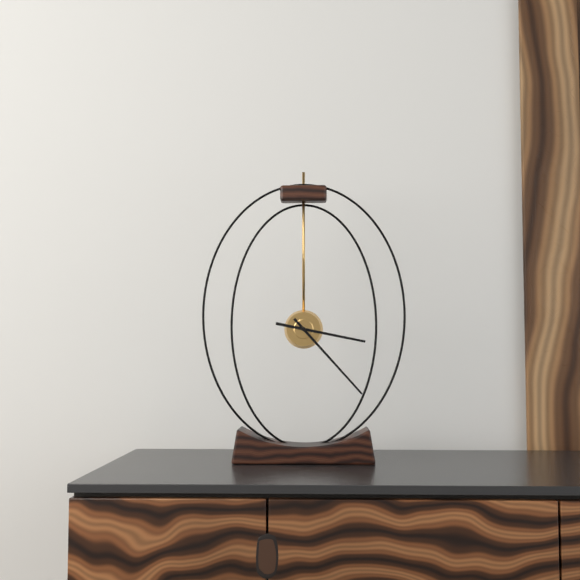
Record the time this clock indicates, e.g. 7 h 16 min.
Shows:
3 h 23 min
